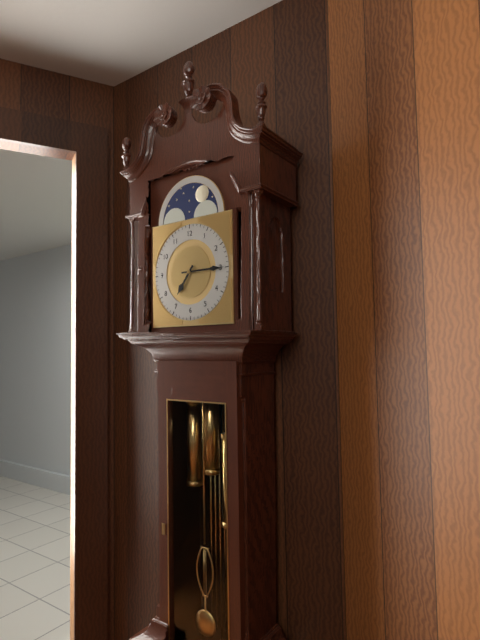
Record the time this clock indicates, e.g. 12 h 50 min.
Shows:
7 h 15 min
